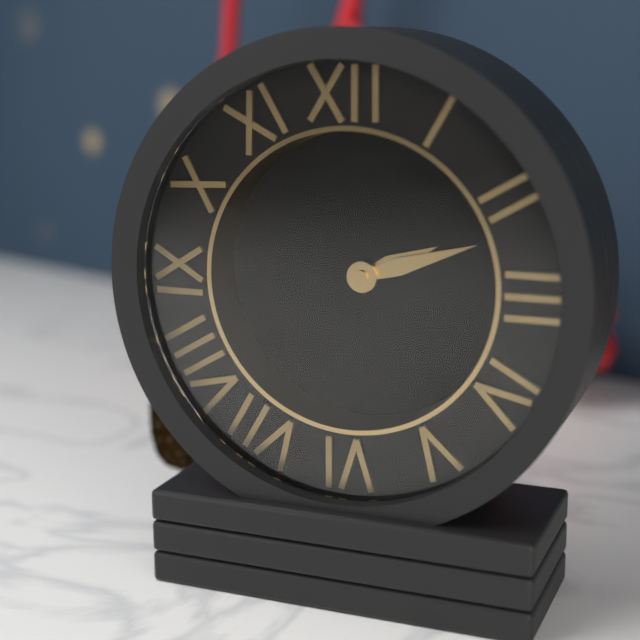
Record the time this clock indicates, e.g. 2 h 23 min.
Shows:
2 h 12 min
